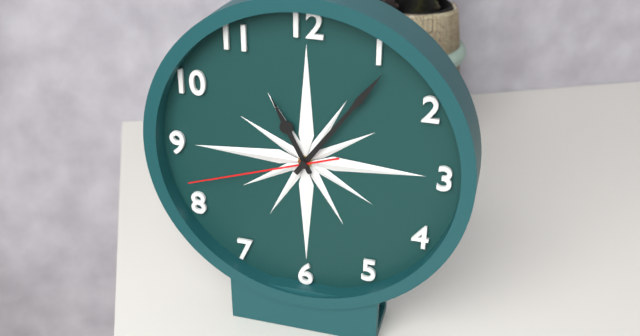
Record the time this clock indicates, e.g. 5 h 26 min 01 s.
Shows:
11 h 06 min 42 s
